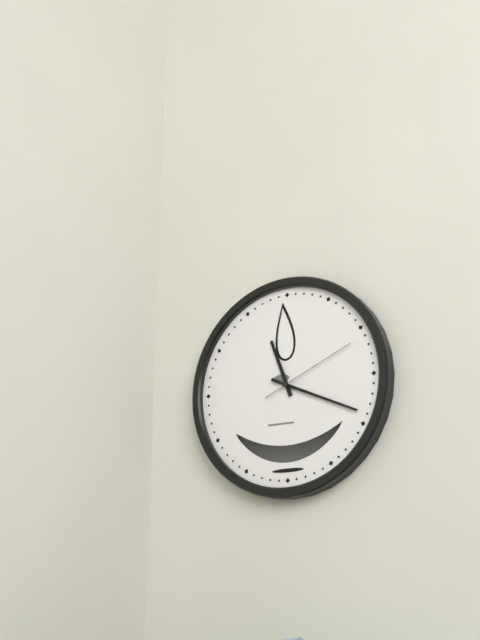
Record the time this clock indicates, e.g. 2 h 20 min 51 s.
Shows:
11 h 19 min 11 s
